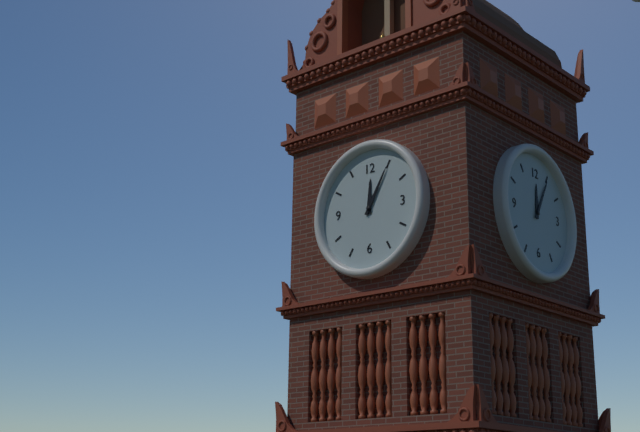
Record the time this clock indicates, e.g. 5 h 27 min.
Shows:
12 h 05 min
